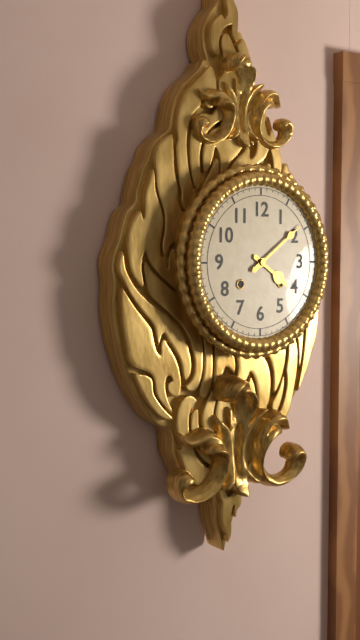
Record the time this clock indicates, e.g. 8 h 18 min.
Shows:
4 h 09 min
